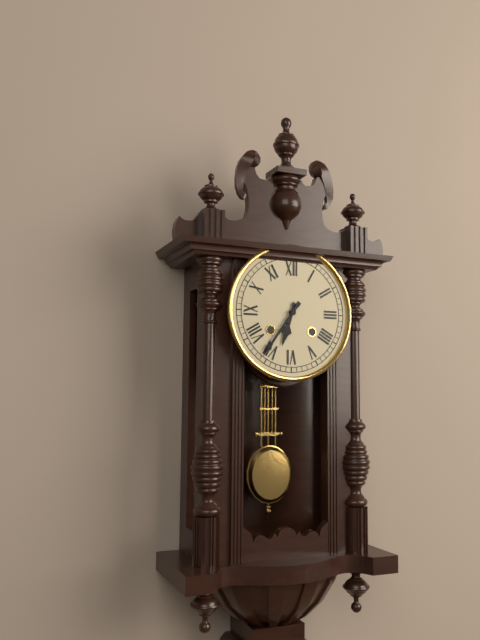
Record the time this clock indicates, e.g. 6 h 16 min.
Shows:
6 h 36 min
